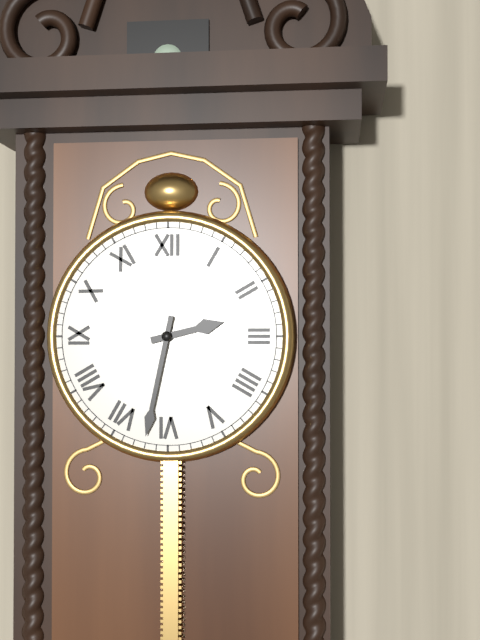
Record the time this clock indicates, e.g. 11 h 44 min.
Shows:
2 h 32 min
